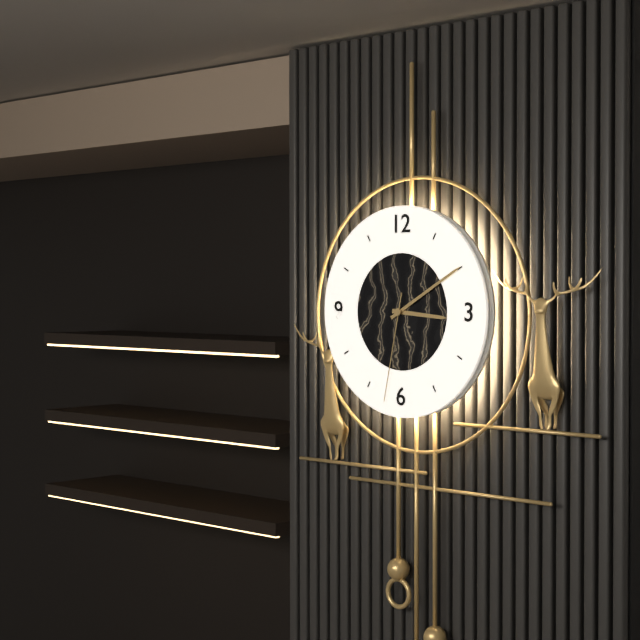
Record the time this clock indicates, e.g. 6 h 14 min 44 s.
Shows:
3 h 10 min 32 s
